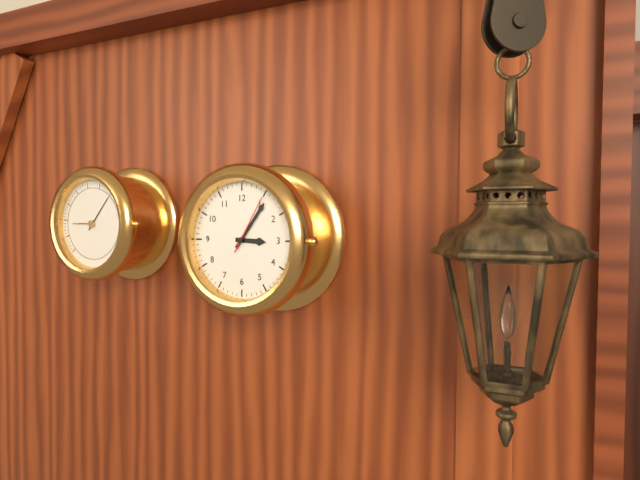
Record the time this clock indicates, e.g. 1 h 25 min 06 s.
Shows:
3 h 06 min 05 s
